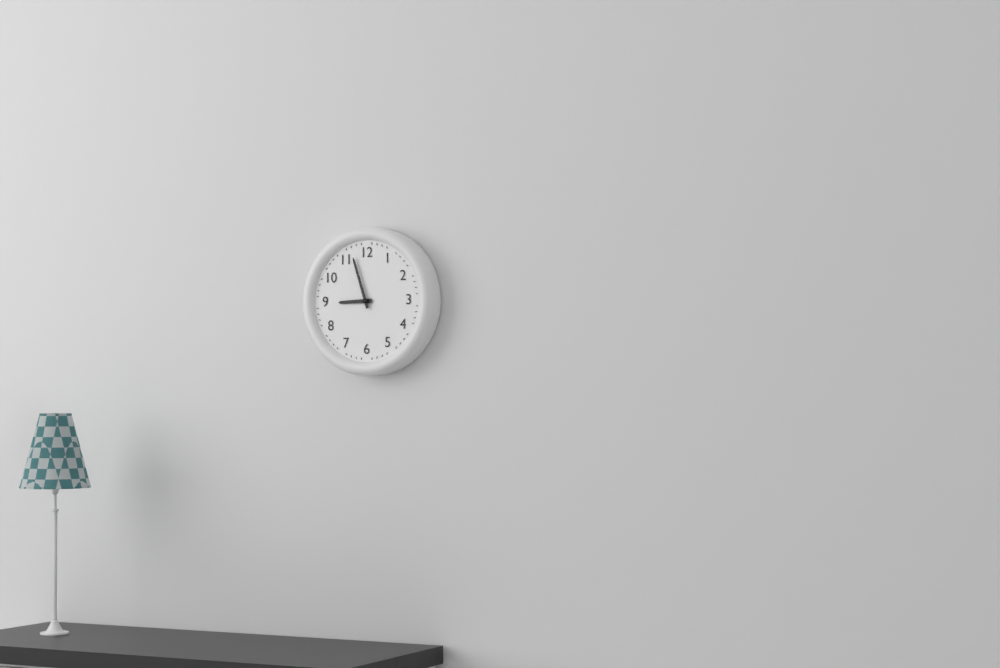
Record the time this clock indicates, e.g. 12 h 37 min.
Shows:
8 h 57 min
